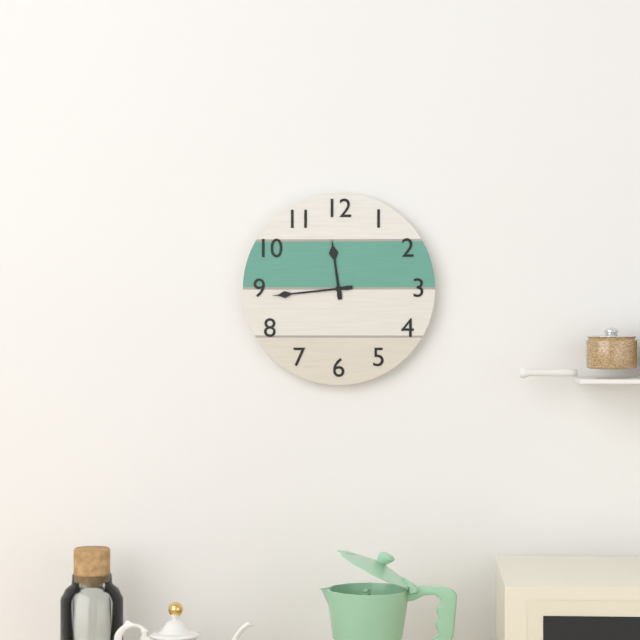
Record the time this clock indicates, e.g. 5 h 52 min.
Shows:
11 h 44 min
